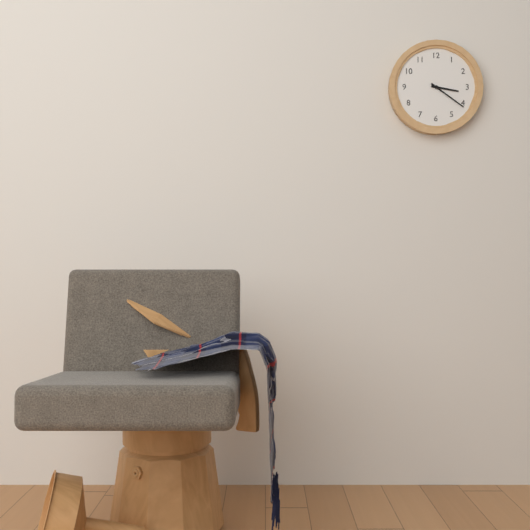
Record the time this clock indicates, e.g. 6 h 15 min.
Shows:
3 h 21 min
